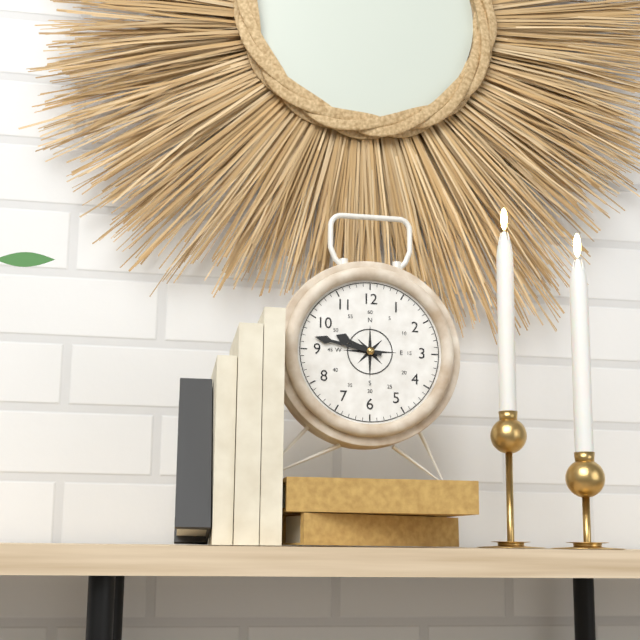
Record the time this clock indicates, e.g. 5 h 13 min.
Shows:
9 h 47 min
